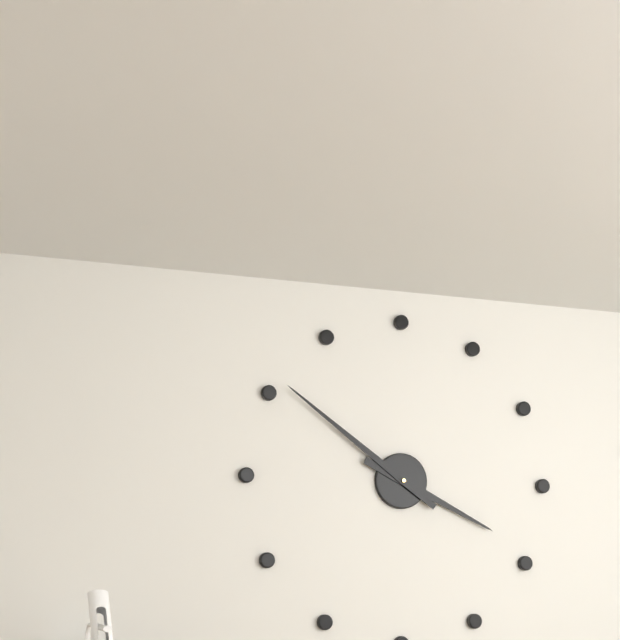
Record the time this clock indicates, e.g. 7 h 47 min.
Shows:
3 h 51 min
